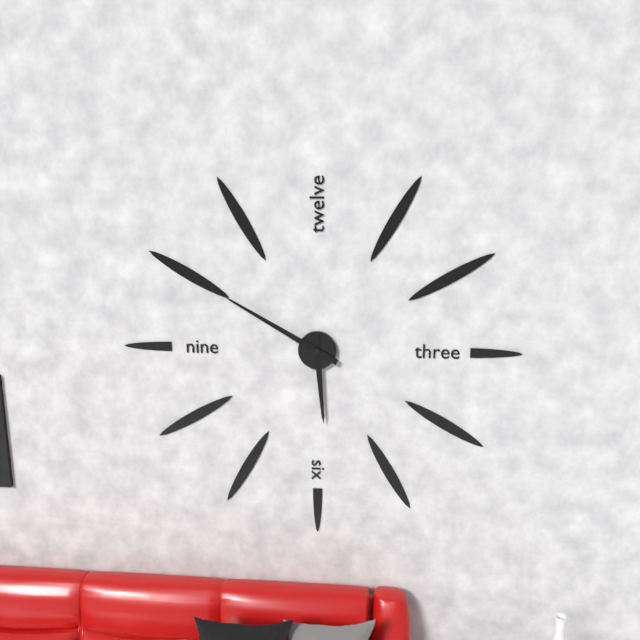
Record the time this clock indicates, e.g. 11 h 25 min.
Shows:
5 h 50 min
